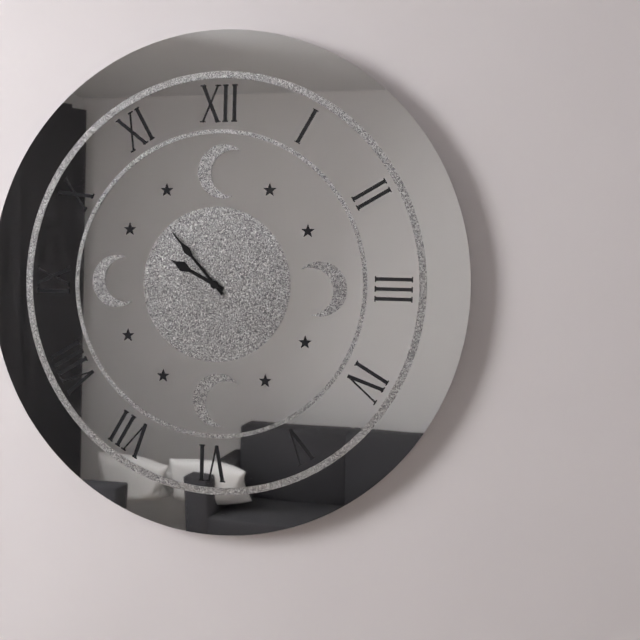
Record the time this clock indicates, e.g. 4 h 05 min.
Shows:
9 h 53 min
